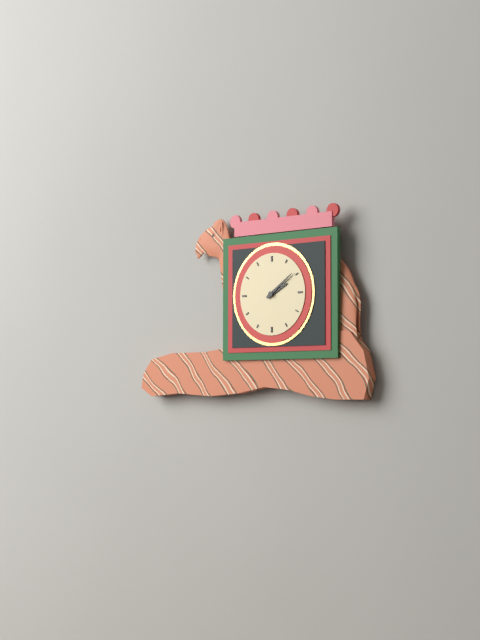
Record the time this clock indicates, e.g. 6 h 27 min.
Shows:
2 h 09 min
